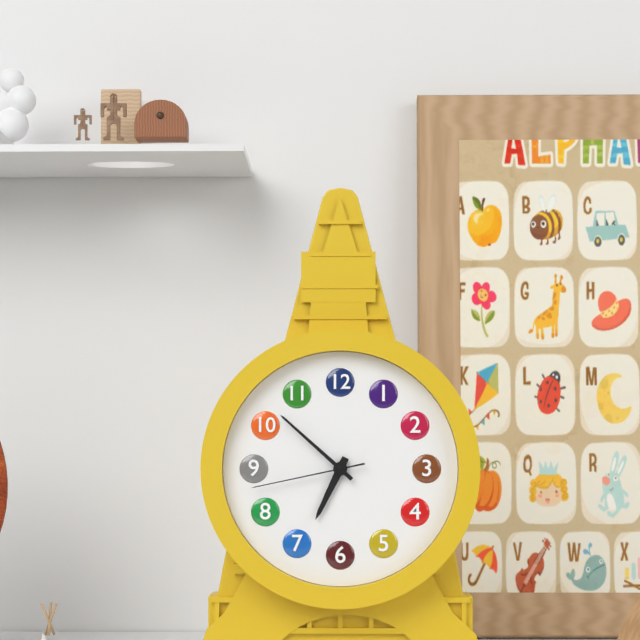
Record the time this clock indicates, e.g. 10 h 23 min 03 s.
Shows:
6 h 52 min 43 s
